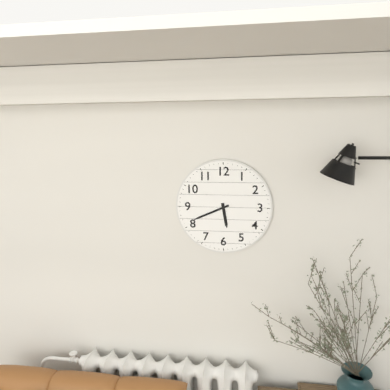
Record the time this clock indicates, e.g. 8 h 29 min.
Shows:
5 h 41 min
